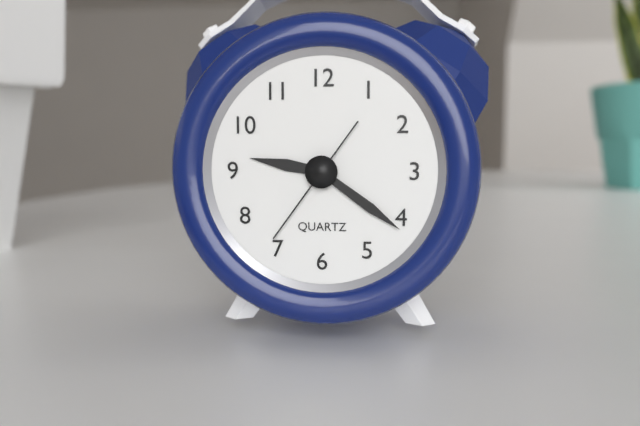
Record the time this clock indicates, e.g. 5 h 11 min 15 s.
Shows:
9 h 21 min 36 s
